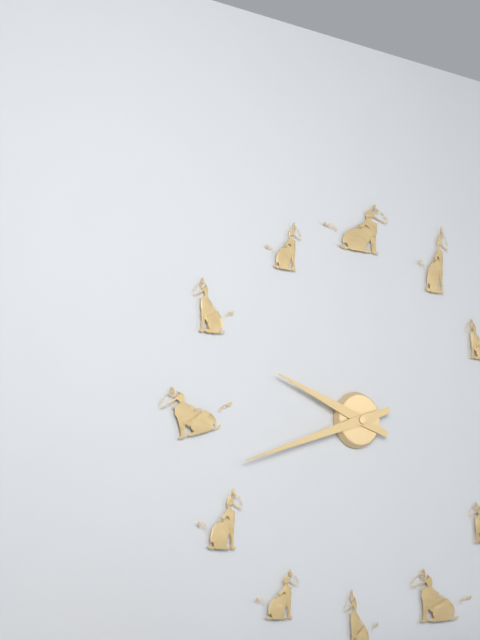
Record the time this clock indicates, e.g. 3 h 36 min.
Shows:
9 h 42 min
